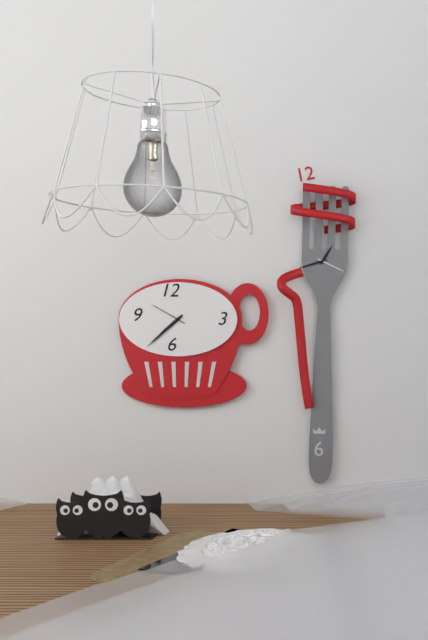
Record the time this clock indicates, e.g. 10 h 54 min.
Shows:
7 h 38 min
